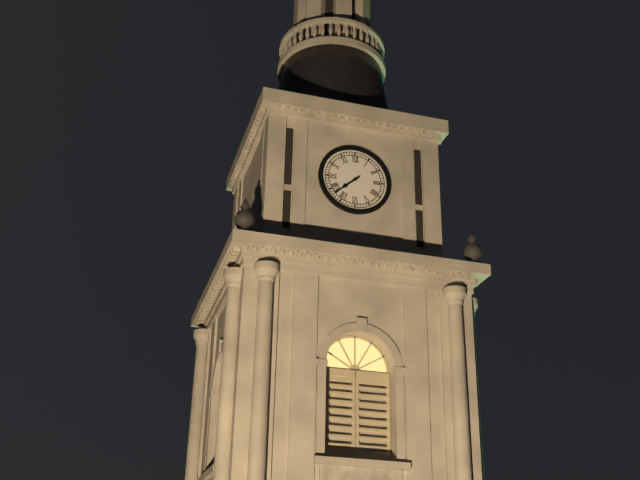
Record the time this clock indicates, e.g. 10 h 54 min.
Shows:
7 h 38 min
